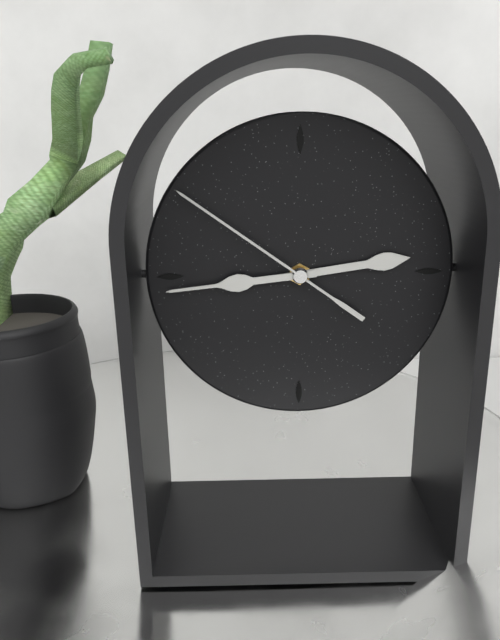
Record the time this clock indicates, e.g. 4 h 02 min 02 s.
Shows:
2 h 44 min 51 s
